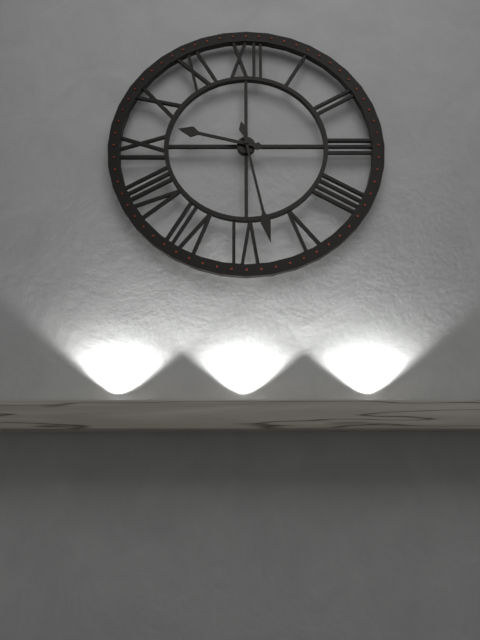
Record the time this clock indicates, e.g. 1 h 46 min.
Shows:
9 h 28 min
